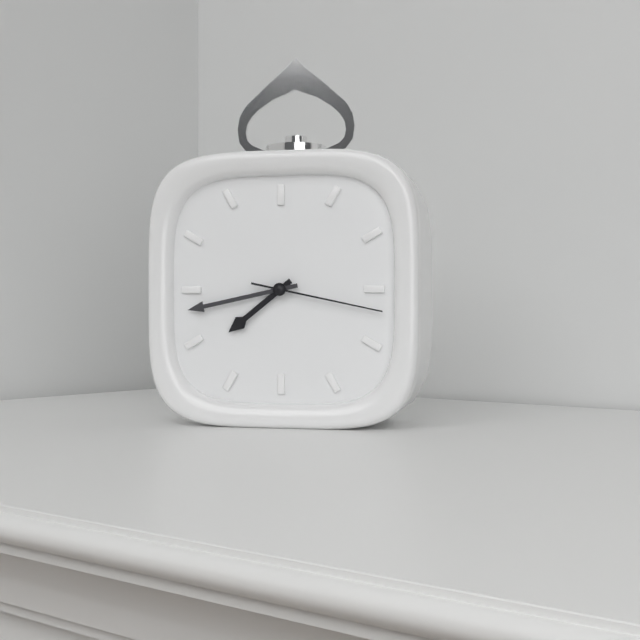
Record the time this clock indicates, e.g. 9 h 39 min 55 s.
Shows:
7 h 43 min 17 s
